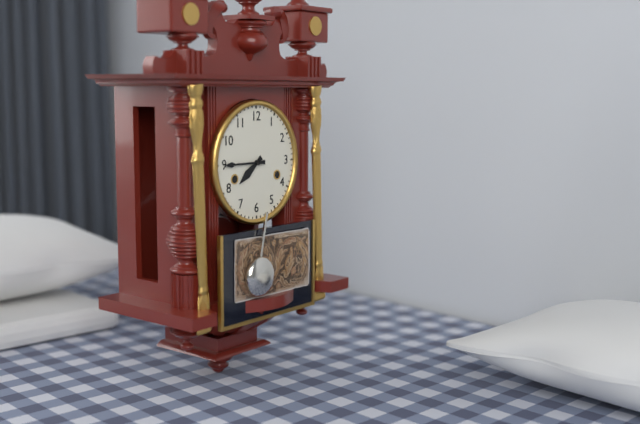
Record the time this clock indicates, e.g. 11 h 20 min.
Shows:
7 h 45 min
